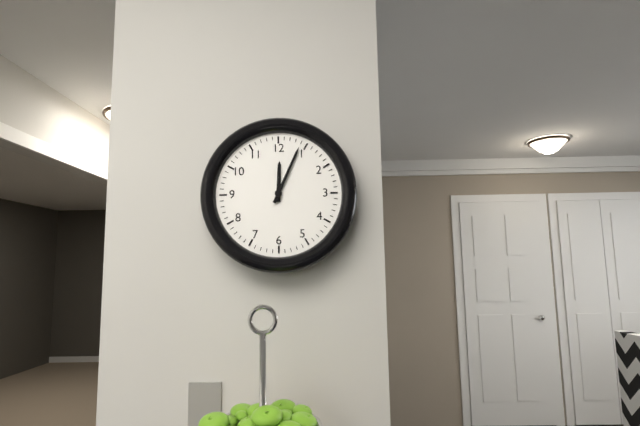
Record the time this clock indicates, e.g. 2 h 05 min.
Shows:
12 h 04 min
